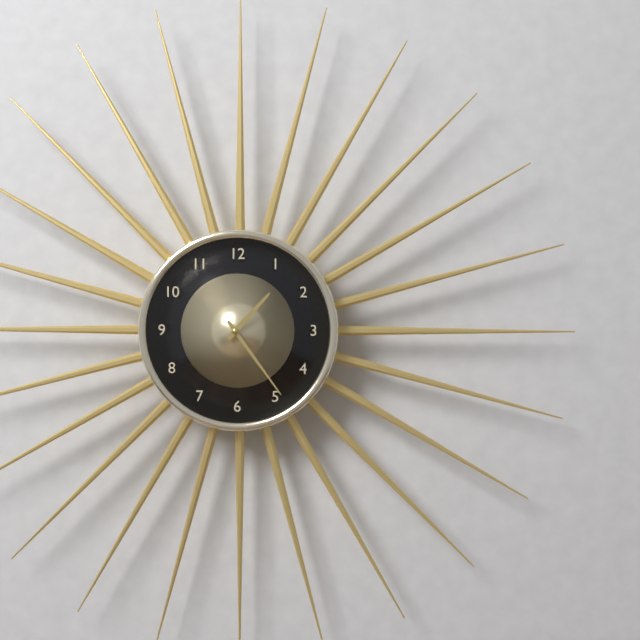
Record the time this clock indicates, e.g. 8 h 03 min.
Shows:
1 h 24 min
